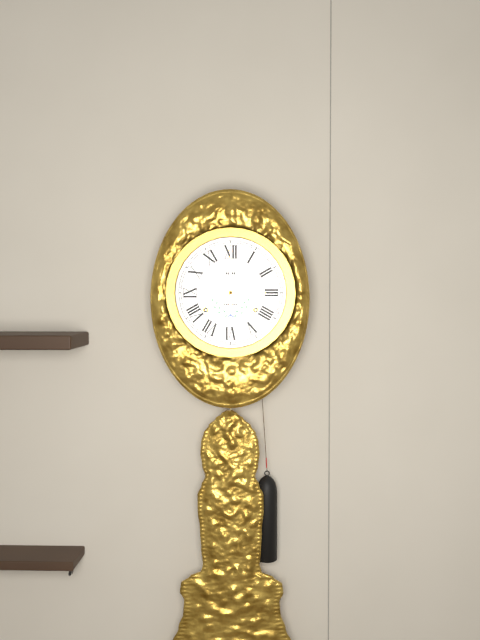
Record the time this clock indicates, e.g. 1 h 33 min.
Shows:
3 h 00 min
